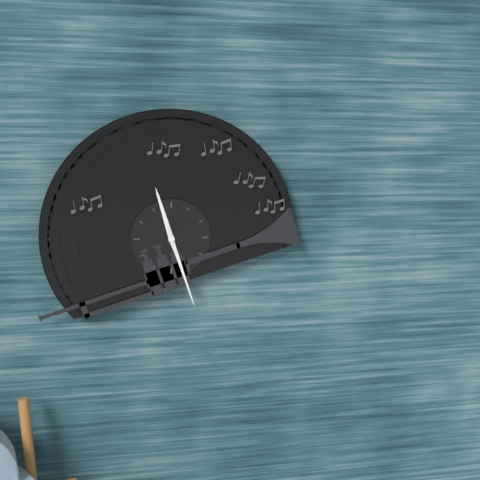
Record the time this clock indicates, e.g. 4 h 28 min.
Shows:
11 h 27 min
